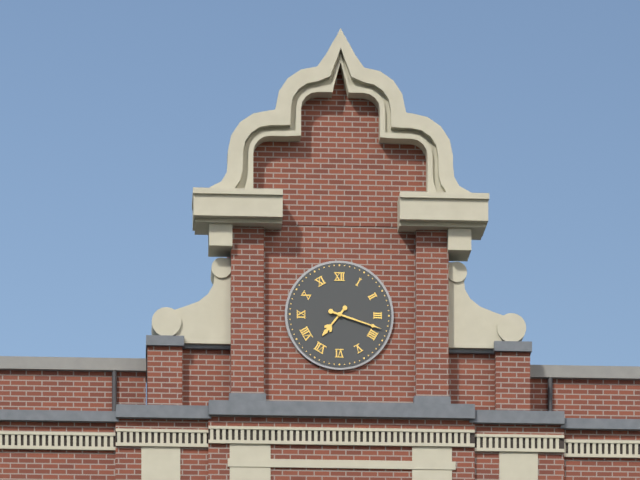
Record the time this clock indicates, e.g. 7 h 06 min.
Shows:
7 h 18 min
